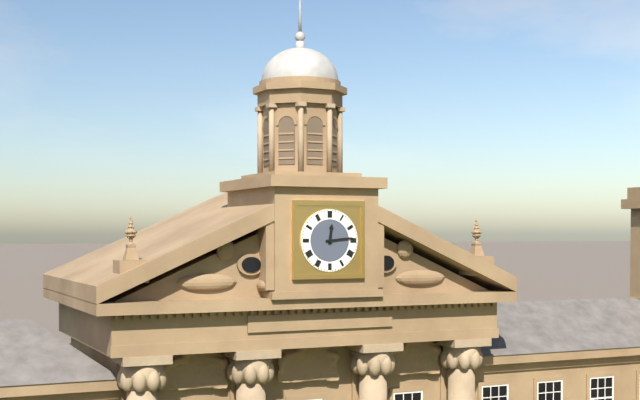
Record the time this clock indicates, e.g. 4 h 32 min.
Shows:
12 h 14 min
